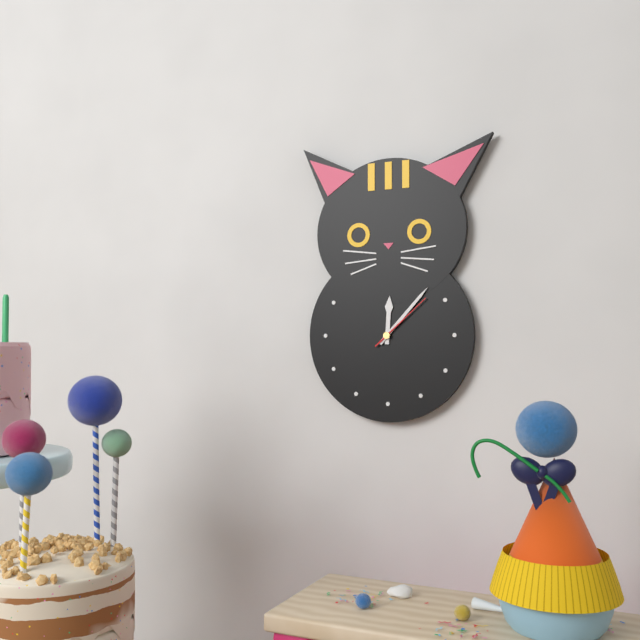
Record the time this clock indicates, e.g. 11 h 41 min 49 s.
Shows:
12 h 07 min 08 s
